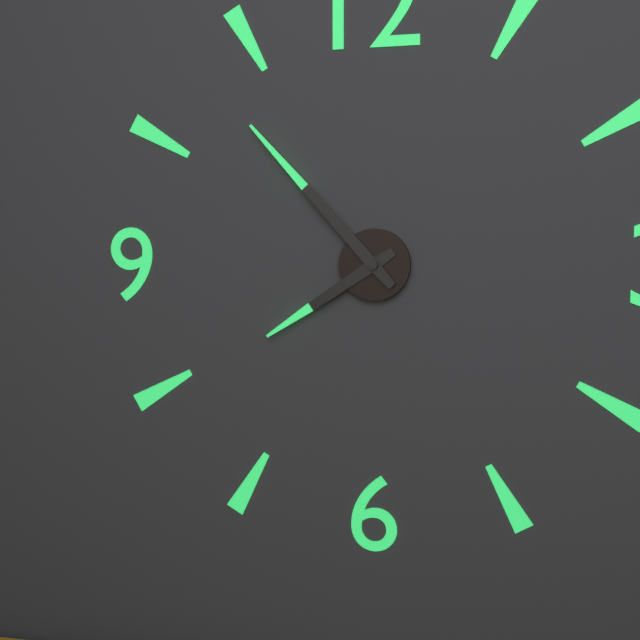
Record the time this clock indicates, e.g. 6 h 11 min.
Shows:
7 h 53 min
